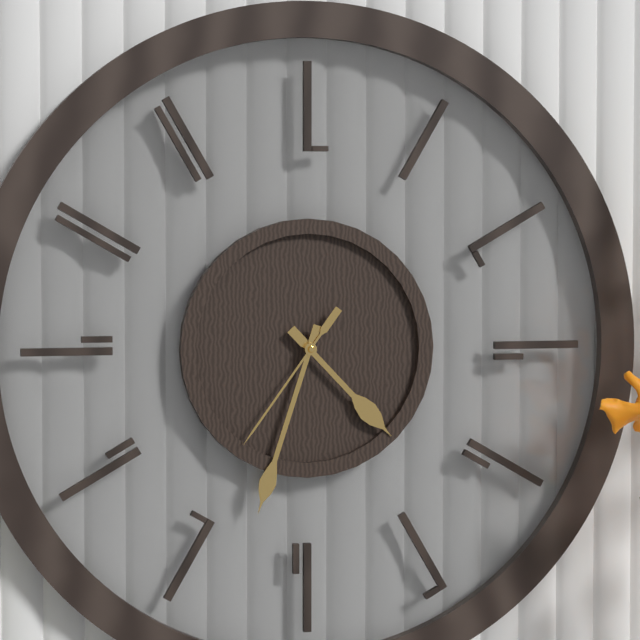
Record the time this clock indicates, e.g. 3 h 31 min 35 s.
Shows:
4 h 33 min 36 s
